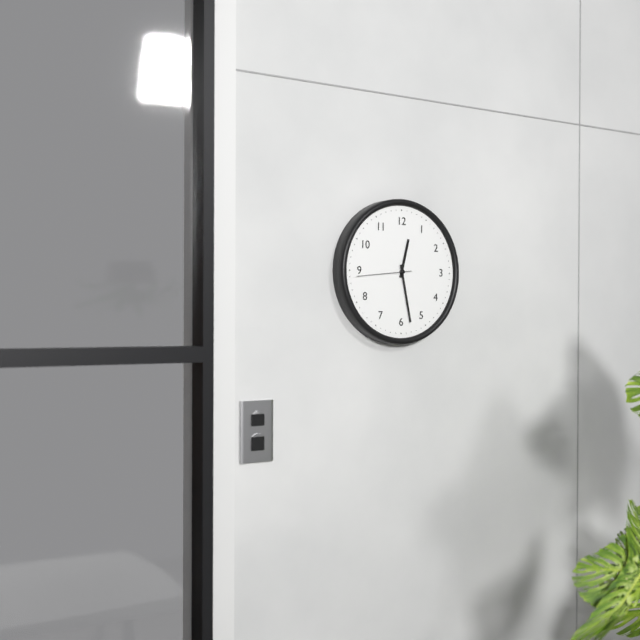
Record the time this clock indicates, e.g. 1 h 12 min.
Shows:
12 h 28 min
